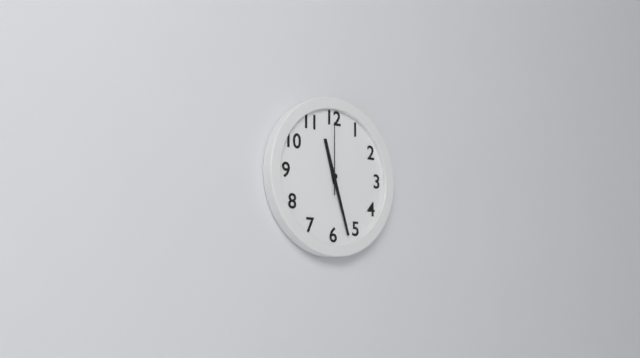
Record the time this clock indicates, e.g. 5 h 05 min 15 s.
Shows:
11 h 27 min 00 s
